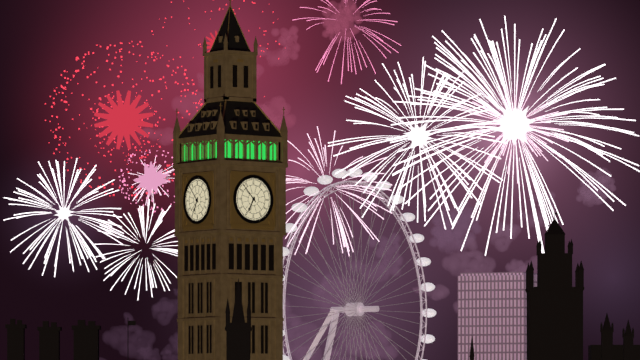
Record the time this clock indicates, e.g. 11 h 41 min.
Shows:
6 h 53 min
